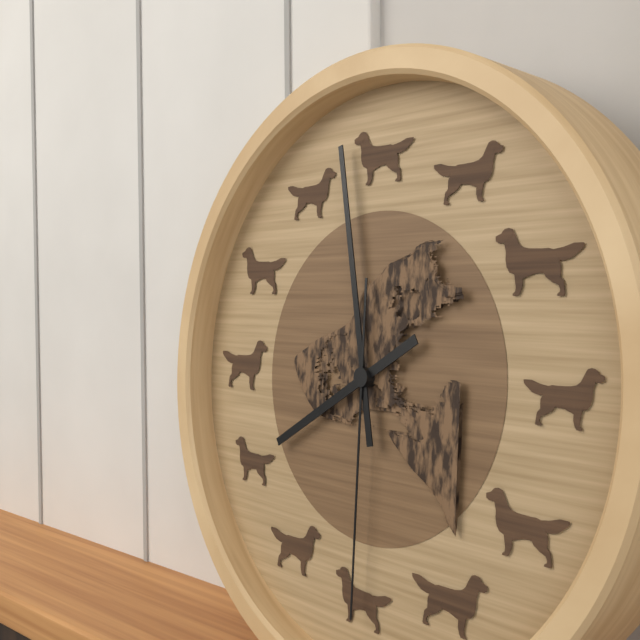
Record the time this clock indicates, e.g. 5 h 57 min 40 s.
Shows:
7 h 58 min 30 s
